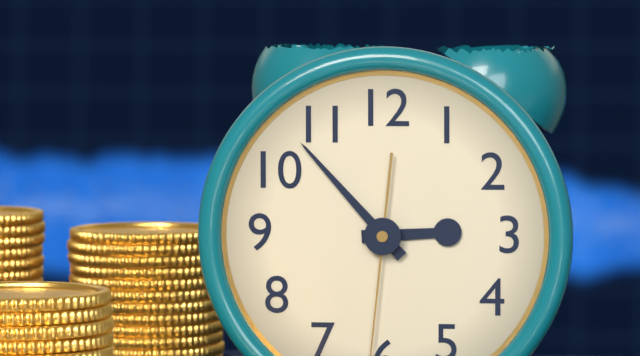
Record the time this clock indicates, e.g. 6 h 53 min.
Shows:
2 h 53 min
